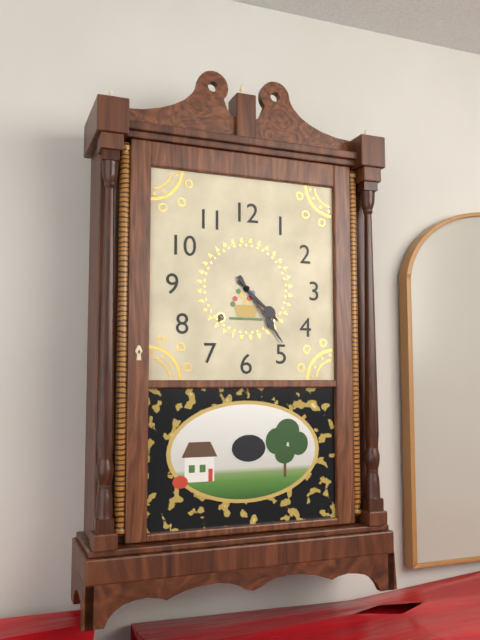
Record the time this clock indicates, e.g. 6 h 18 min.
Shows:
4 h 24 min
